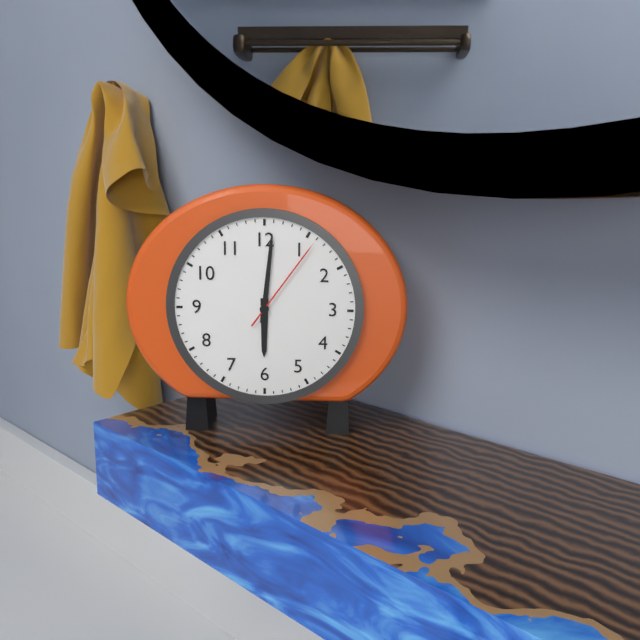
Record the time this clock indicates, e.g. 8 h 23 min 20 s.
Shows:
6 h 01 min 06 s
